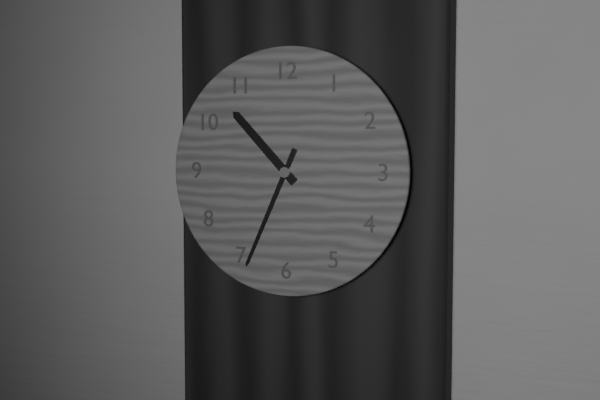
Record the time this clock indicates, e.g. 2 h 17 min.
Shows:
10 h 34 min
